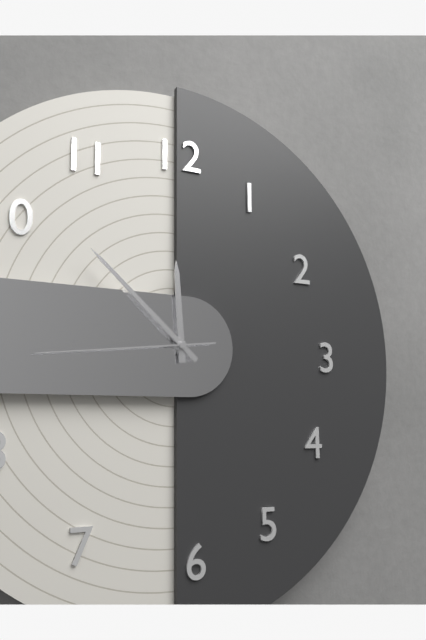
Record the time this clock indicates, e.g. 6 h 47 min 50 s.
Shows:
11 h 52 min 44 s
